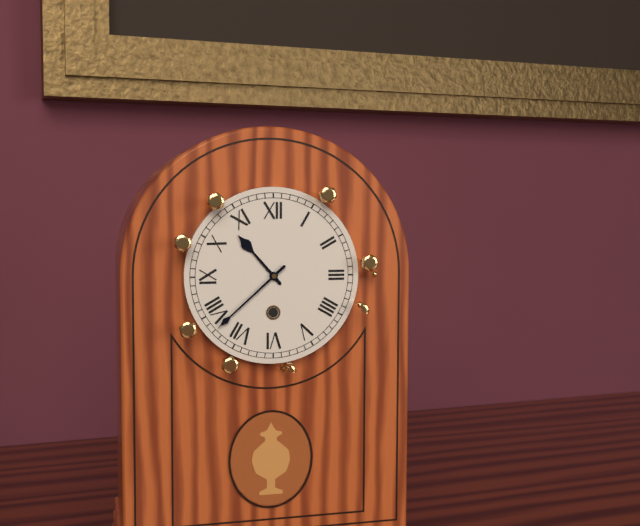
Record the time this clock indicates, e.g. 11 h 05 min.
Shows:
10 h 38 min
